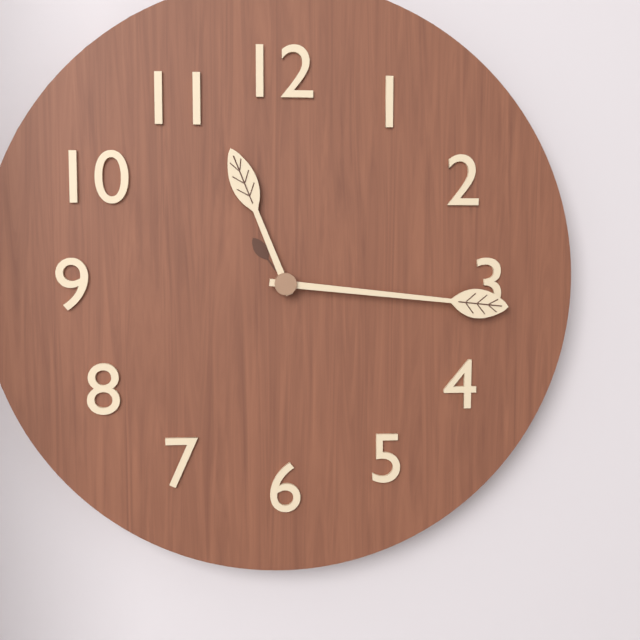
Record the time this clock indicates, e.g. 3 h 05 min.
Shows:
11 h 16 min
